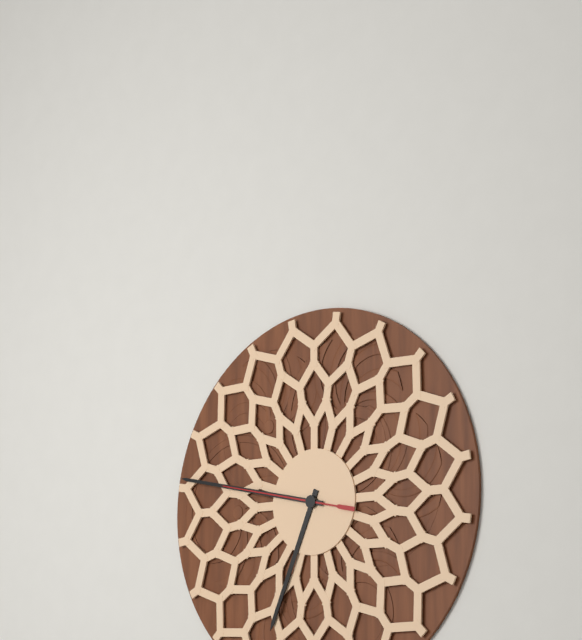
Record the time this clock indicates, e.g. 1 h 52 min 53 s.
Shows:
6 h 47 min 47 s
